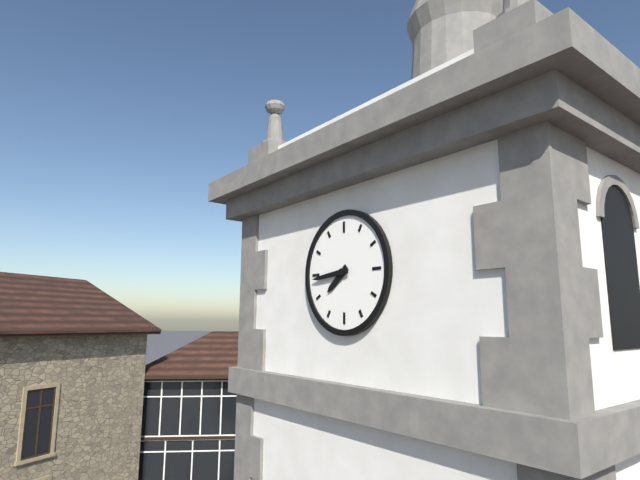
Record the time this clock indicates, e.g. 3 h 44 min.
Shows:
7 h 44 min
